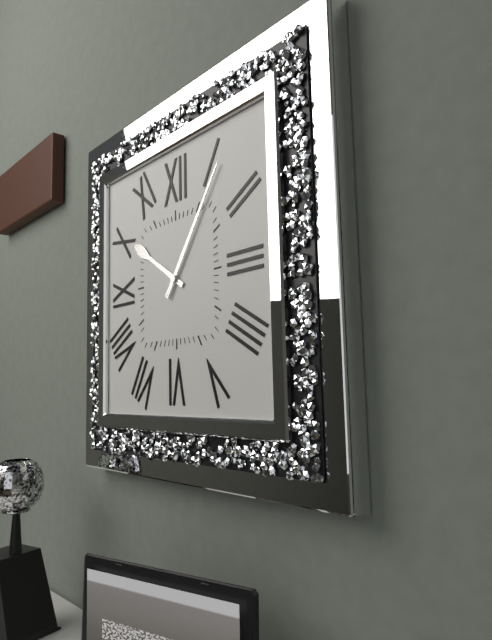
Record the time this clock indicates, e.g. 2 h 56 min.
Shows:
10 h 06 min
